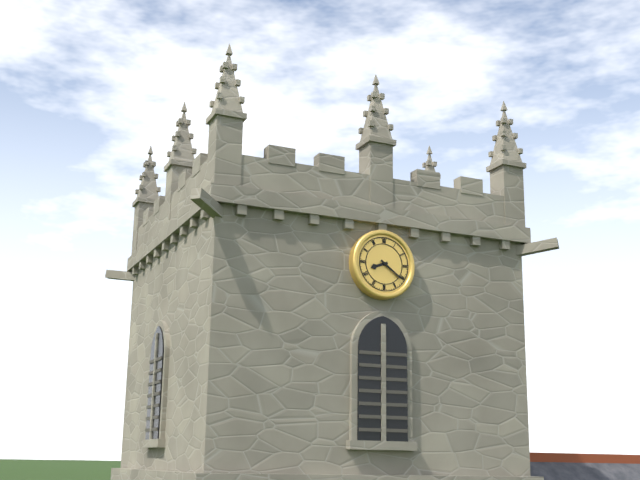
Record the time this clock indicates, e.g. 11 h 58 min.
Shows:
8 h 21 min
